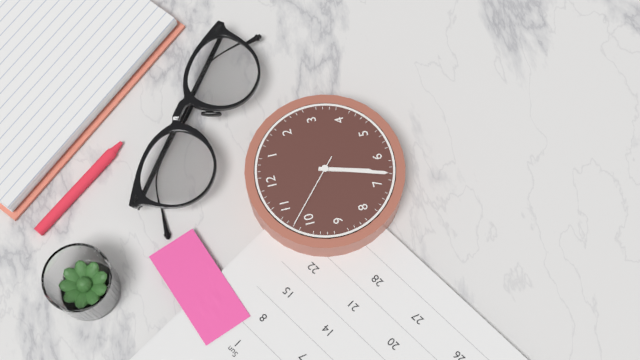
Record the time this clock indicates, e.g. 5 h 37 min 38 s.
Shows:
6 h 33 min 52 s
